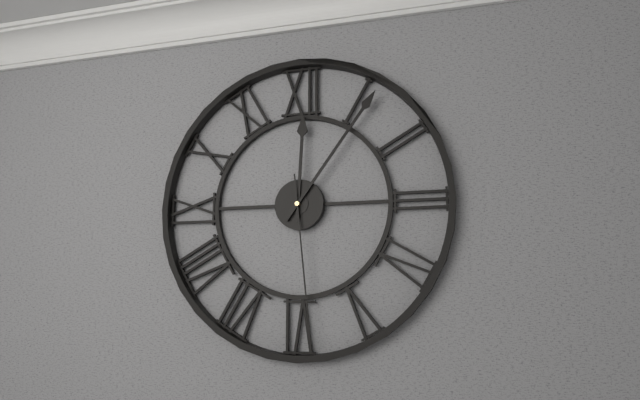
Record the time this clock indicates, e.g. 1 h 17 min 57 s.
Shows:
12 h 06 min 29 s
